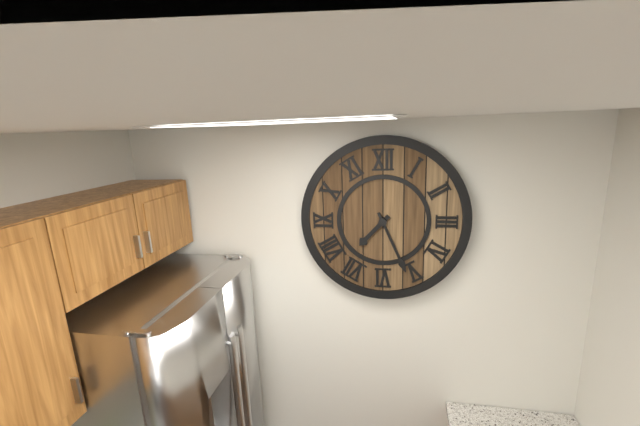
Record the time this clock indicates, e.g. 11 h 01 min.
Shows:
7 h 26 min
